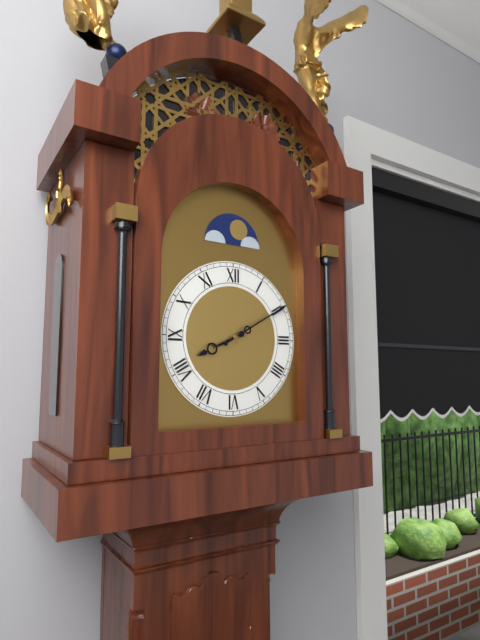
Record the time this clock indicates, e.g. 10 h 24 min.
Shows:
8 h 10 min
